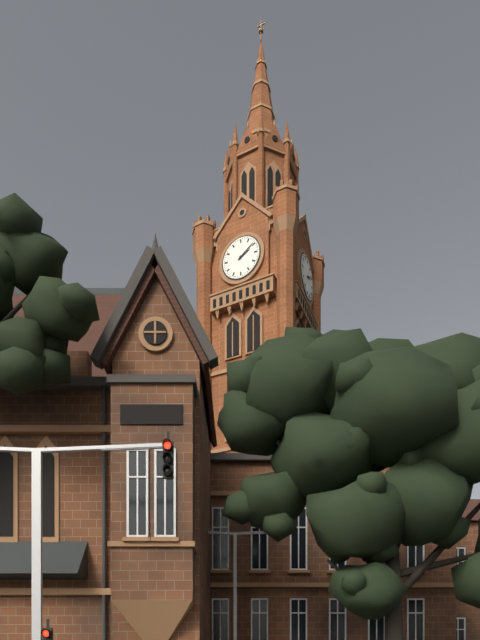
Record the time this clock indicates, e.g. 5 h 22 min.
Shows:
2 h 09 min
